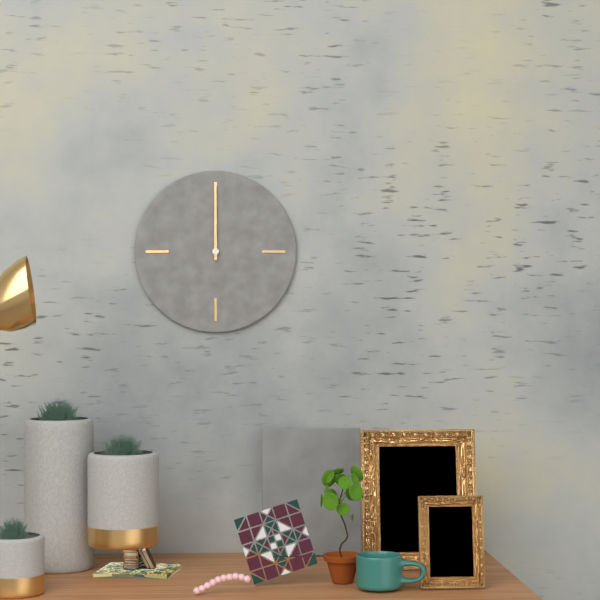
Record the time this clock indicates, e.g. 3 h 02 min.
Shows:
12 h 00 min
